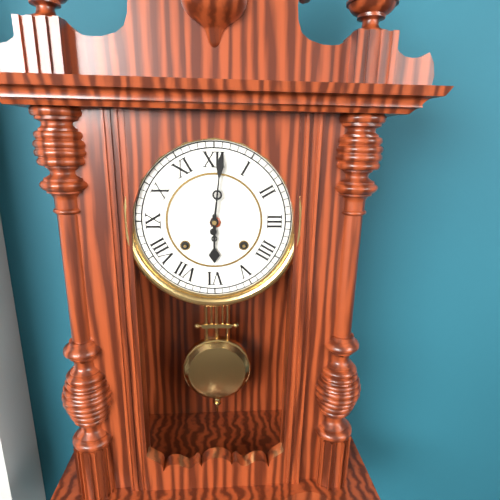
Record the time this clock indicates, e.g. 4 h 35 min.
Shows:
6 h 01 min
